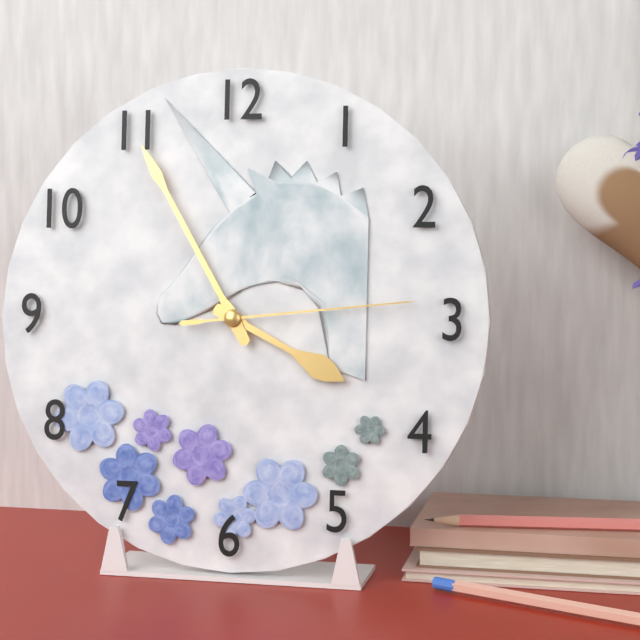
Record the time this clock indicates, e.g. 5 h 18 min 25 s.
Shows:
3 h 55 min 14 s
